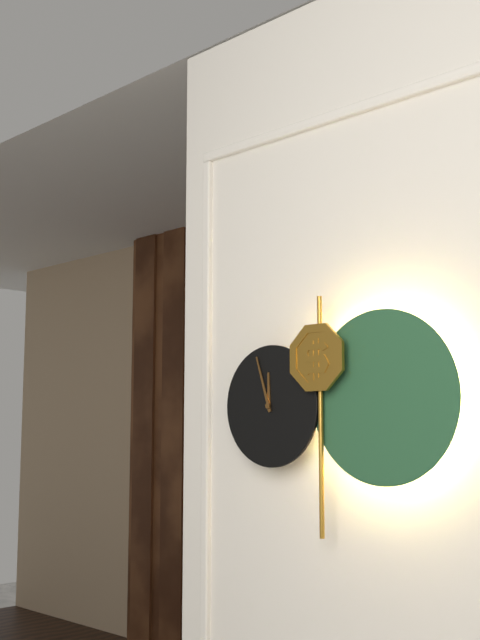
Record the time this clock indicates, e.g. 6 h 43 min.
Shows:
11 h 57 min
